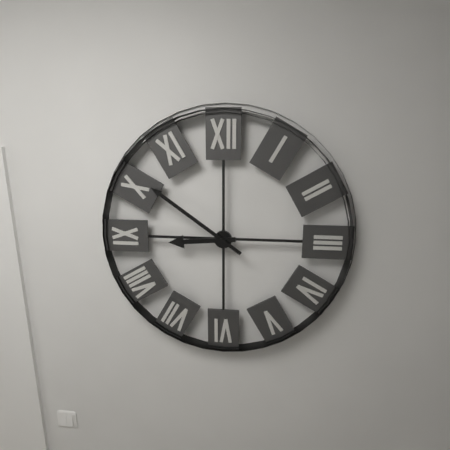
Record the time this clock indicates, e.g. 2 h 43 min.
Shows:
8 h 51 min
